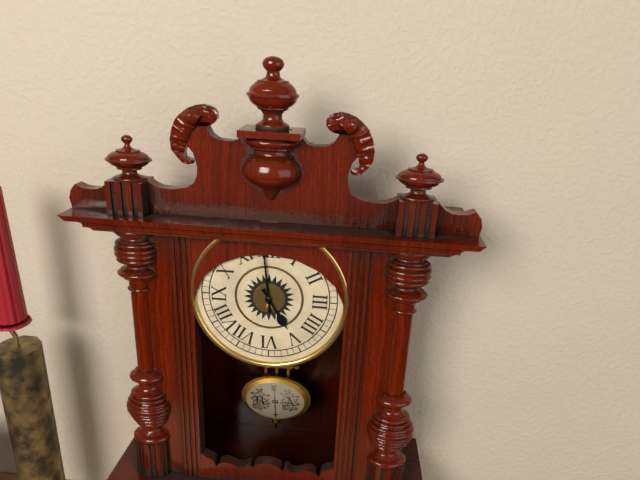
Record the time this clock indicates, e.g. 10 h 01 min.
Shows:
4 h 59 min
